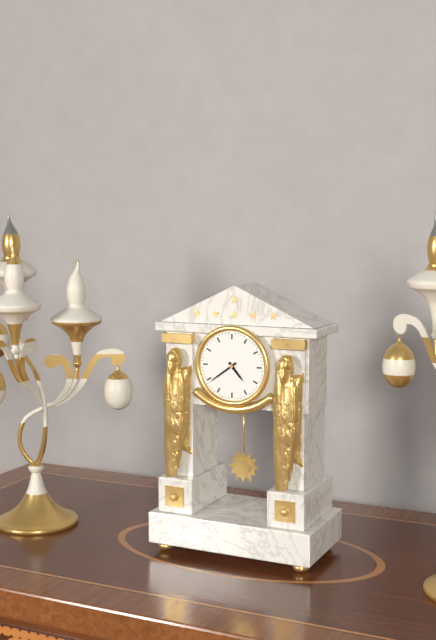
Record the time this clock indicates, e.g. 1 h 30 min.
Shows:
4 h 39 min
